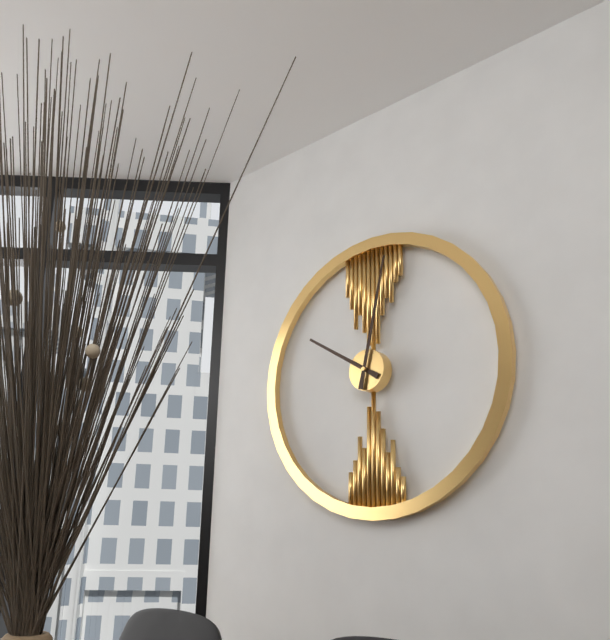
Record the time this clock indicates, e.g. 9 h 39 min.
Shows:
10 h 02 min
